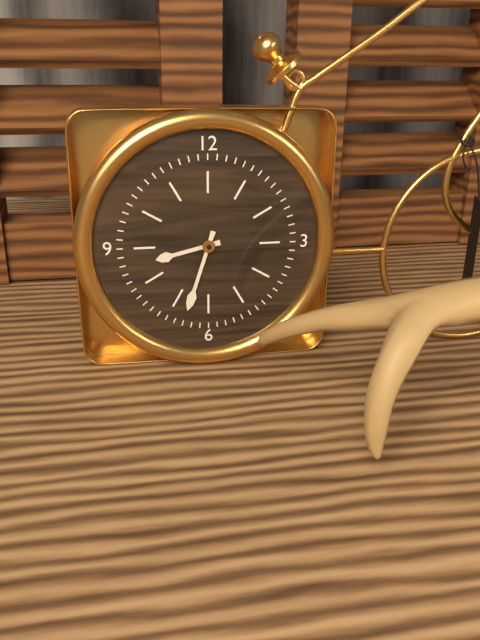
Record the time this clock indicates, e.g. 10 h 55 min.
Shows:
8 h 33 min
